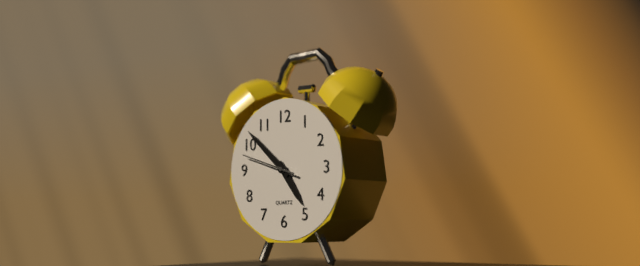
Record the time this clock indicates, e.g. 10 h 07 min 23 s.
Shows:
4 h 52 min 48 s
